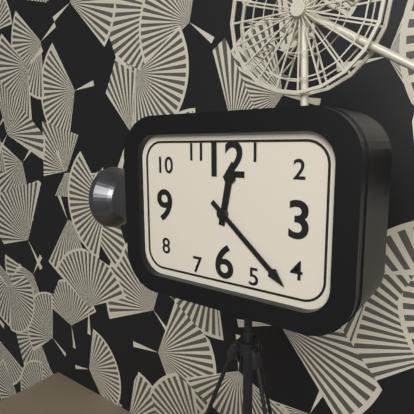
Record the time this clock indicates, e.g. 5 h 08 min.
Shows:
12 h 22 min
